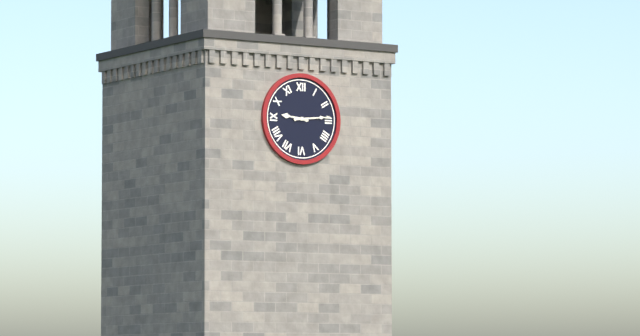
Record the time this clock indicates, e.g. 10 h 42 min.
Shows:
9 h 14 min
